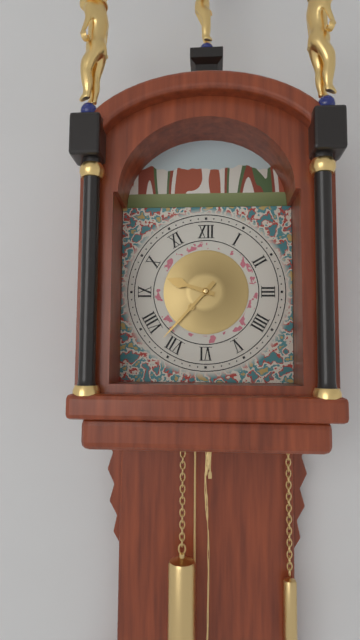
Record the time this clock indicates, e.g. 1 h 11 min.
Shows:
9 h 37 min
